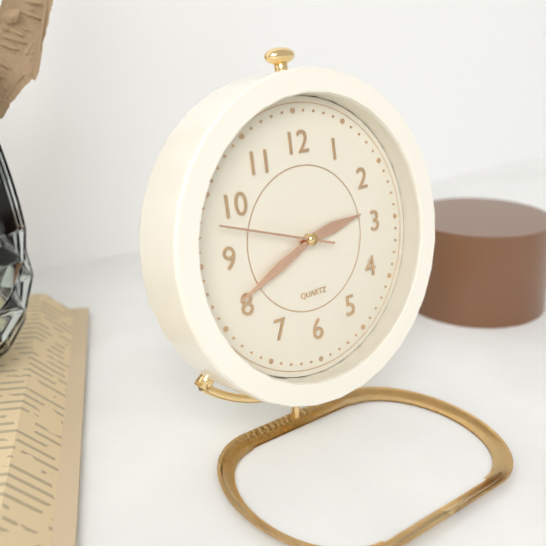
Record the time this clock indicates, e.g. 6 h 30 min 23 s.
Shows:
2 h 41 min 48 s
